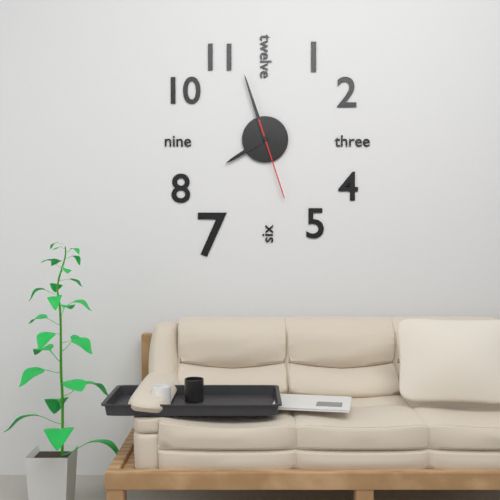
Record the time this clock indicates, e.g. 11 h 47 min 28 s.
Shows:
7 h 57 min 27 s
